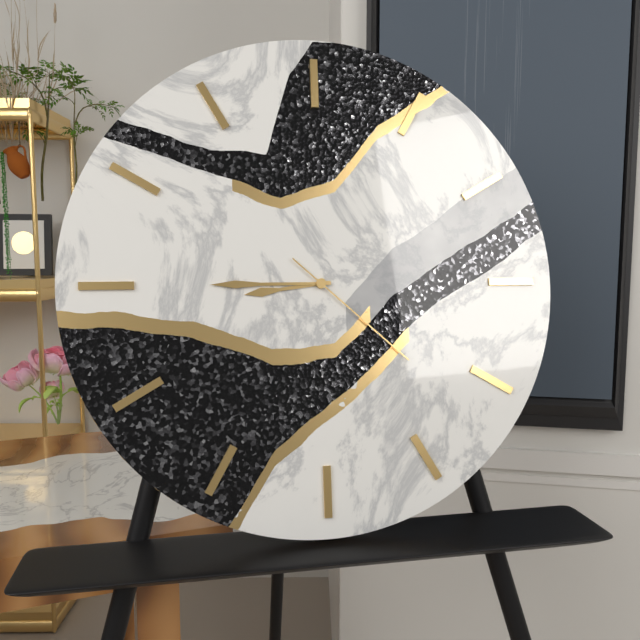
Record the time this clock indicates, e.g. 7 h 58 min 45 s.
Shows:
8 h 45 min 22 s
